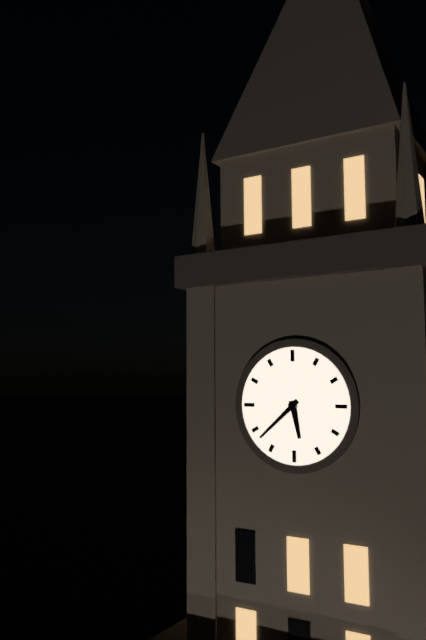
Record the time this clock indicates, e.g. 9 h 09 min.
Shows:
5 h 38 min
